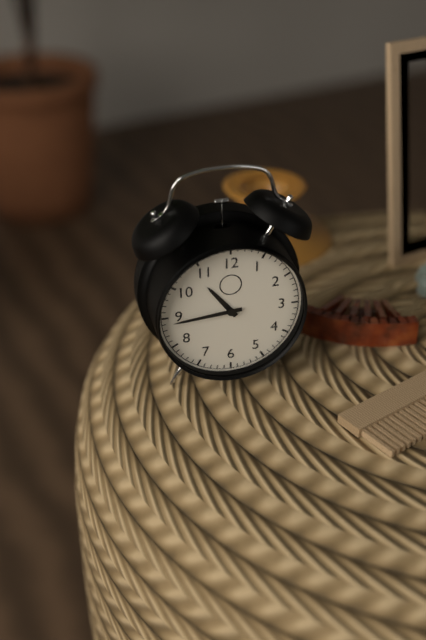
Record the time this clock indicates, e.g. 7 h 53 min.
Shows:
10 h 44 min
